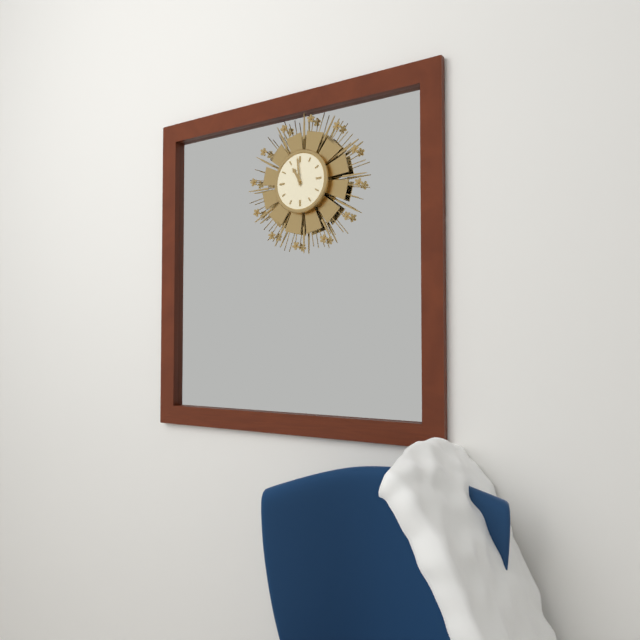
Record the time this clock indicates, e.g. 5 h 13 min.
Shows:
10 h 59 min
